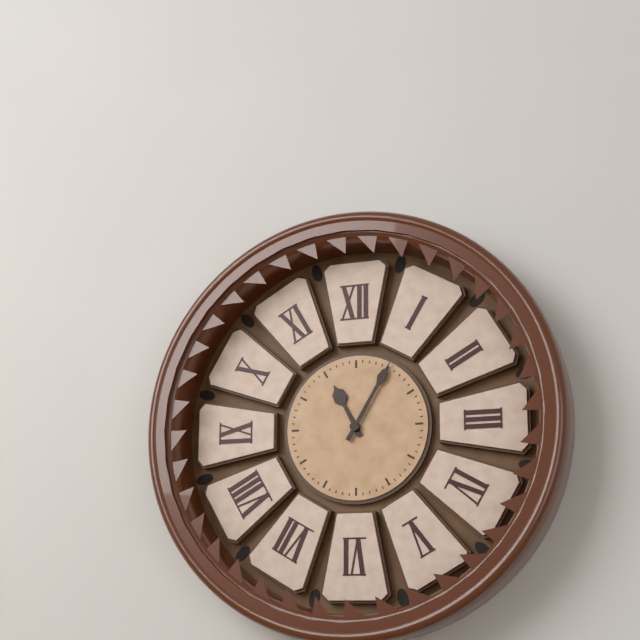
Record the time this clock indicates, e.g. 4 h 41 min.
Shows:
11 h 05 min
